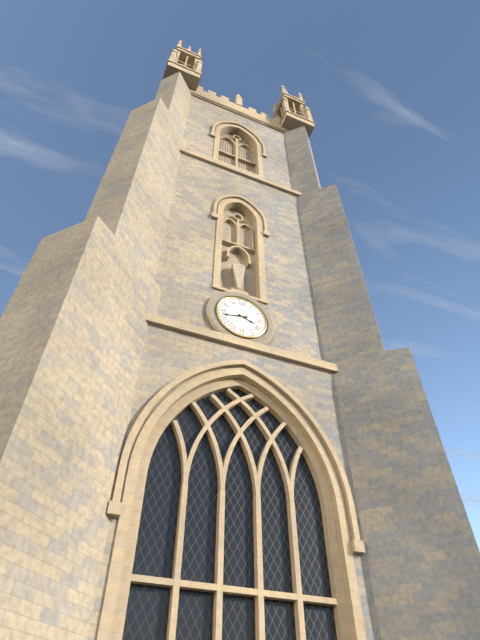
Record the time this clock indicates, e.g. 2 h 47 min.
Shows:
3 h 43 min
